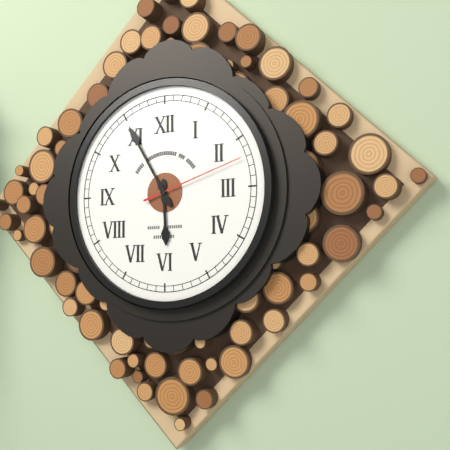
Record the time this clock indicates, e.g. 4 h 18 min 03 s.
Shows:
5 h 55 min 12 s
